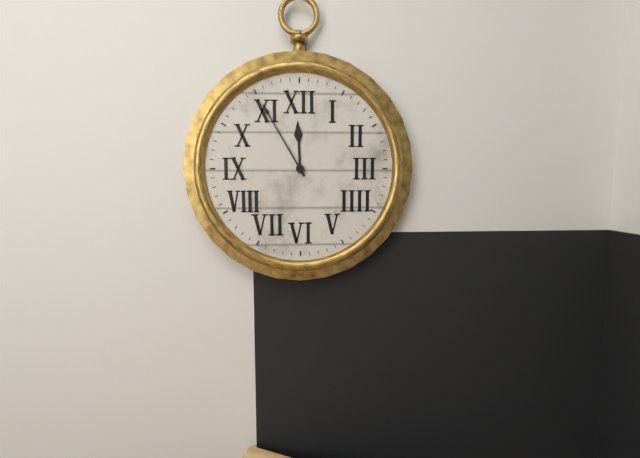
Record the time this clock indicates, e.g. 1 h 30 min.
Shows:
11 h 55 min
